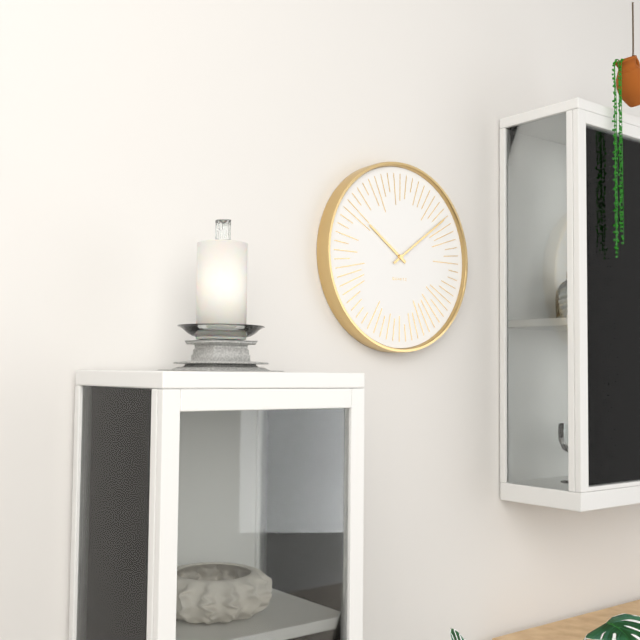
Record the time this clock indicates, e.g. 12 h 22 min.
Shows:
10 h 09 min
